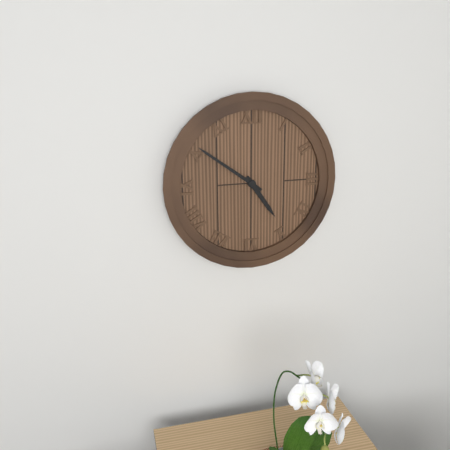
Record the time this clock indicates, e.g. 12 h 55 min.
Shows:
4 h 51 min
